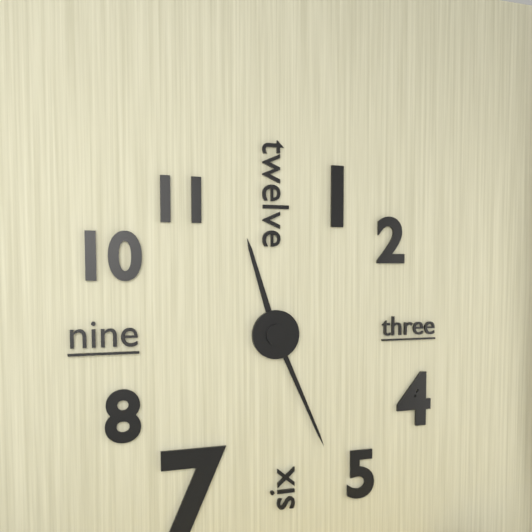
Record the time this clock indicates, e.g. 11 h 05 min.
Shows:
11 h 26 min
